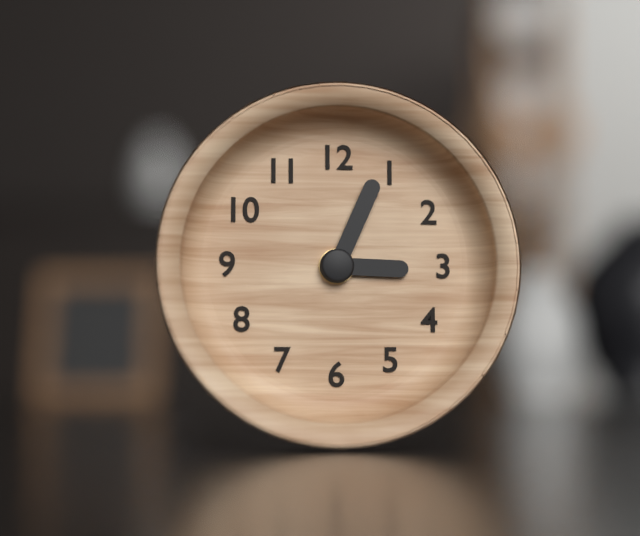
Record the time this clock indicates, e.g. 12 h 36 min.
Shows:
3 h 04 min
